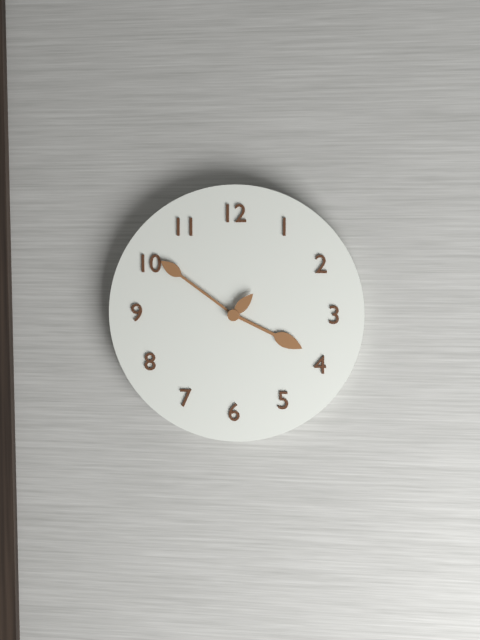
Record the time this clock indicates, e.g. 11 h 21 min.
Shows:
3 h 51 min
